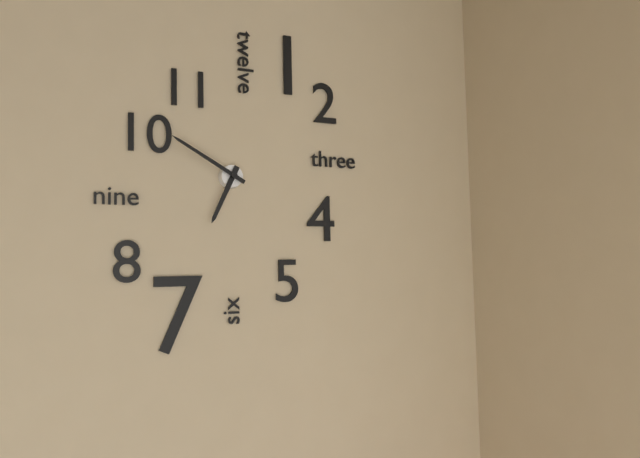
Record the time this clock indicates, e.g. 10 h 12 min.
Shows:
6 h 50 min
